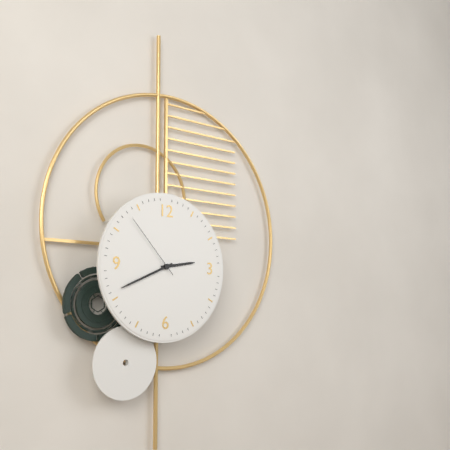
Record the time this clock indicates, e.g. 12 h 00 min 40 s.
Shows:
2 h 41 min 53 s
